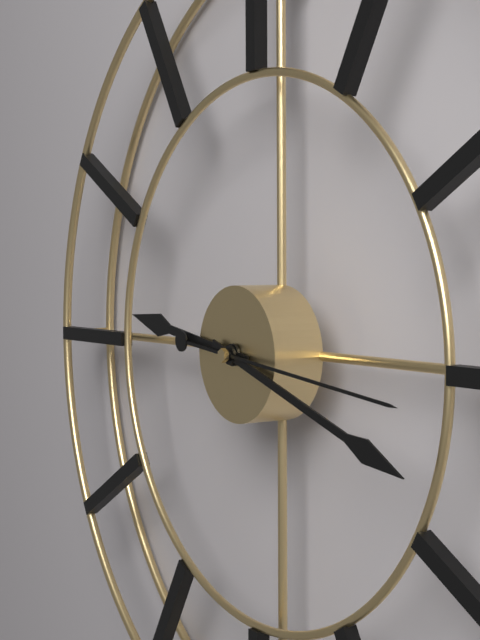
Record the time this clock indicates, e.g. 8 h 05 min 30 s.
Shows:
9 h 18 min 16 s
